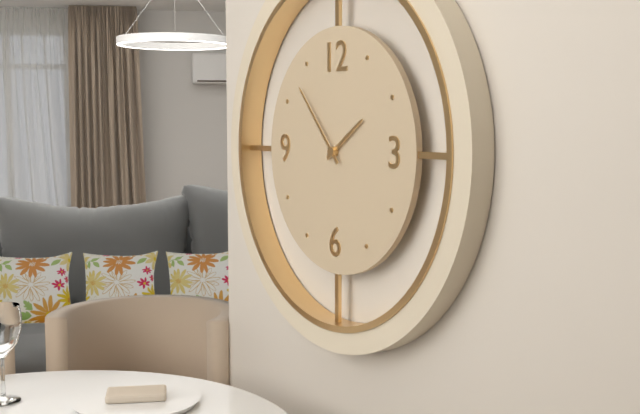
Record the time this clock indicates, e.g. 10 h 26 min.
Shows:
1 h 53 min
